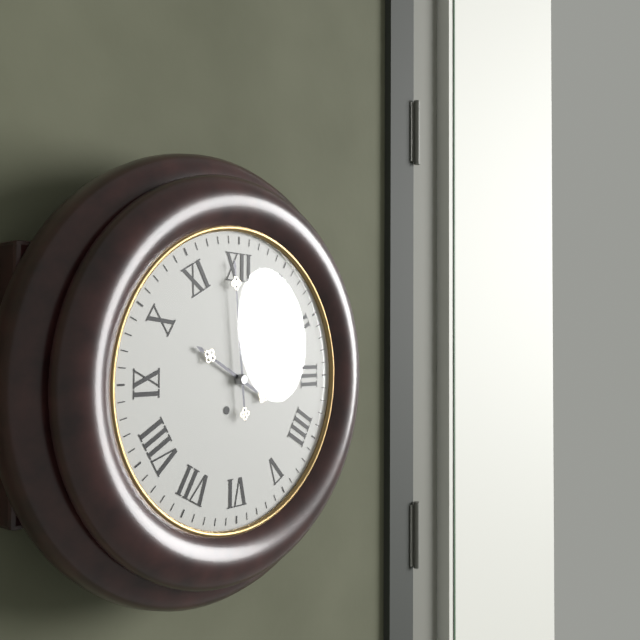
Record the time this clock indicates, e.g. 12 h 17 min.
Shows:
9 h 59 min
